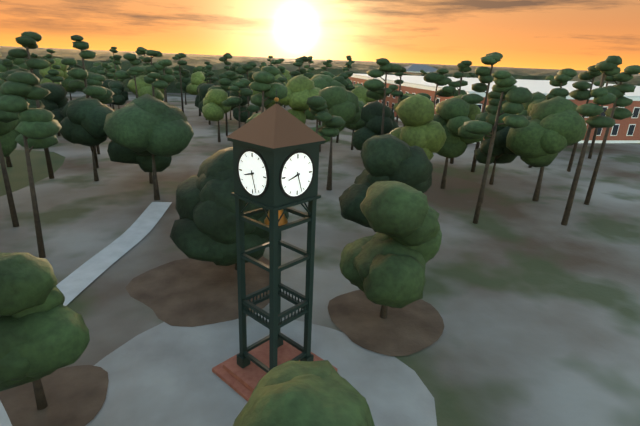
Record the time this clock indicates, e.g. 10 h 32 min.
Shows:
8 h 27 min
